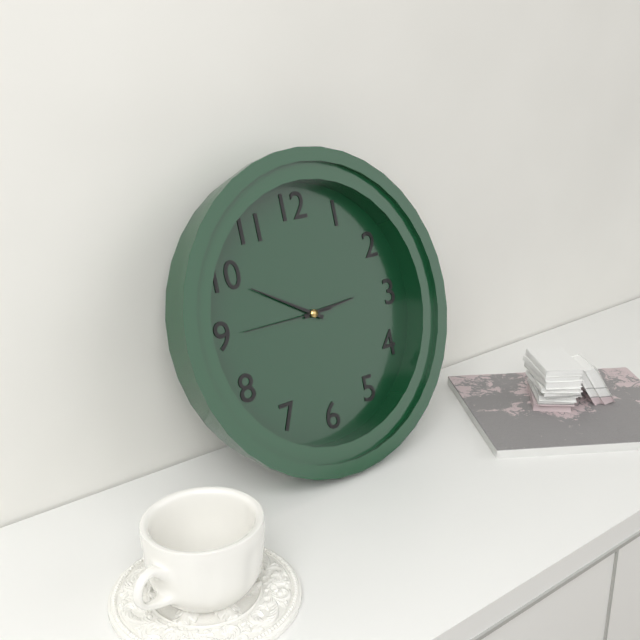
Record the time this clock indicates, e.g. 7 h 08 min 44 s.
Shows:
2 h 50 min 45 s
